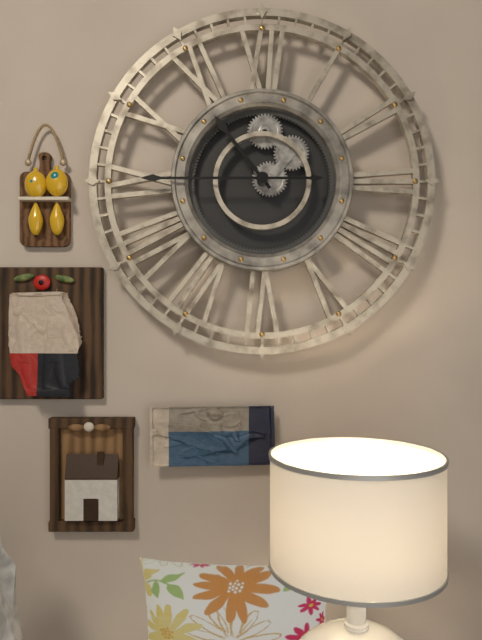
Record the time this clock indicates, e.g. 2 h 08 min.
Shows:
10 h 45 min
